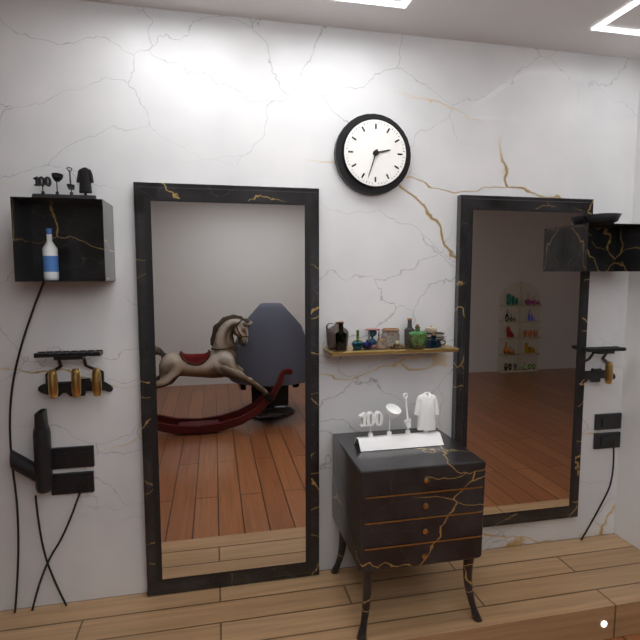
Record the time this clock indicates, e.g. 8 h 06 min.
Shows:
2 h 33 min
